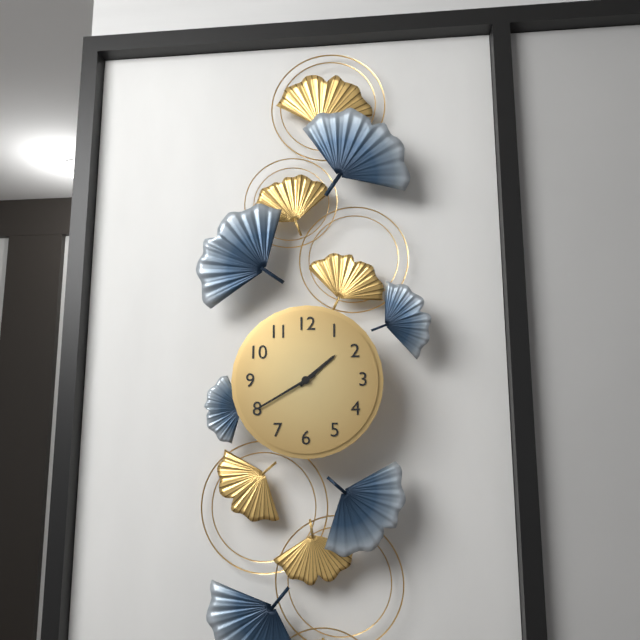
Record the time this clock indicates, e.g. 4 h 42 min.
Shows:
1 h 40 min
